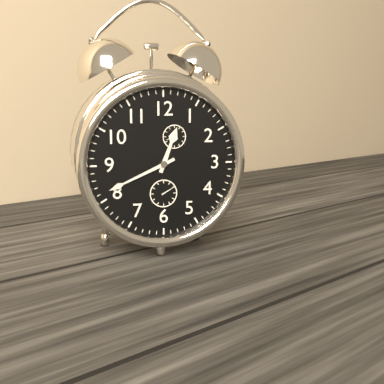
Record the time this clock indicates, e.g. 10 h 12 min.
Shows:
12 h 41 min
